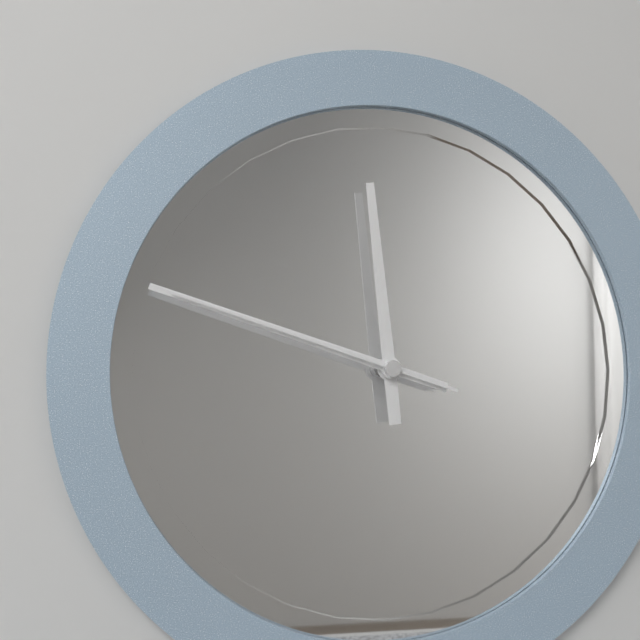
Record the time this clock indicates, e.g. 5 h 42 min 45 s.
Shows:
11 h 48 min 48 s
